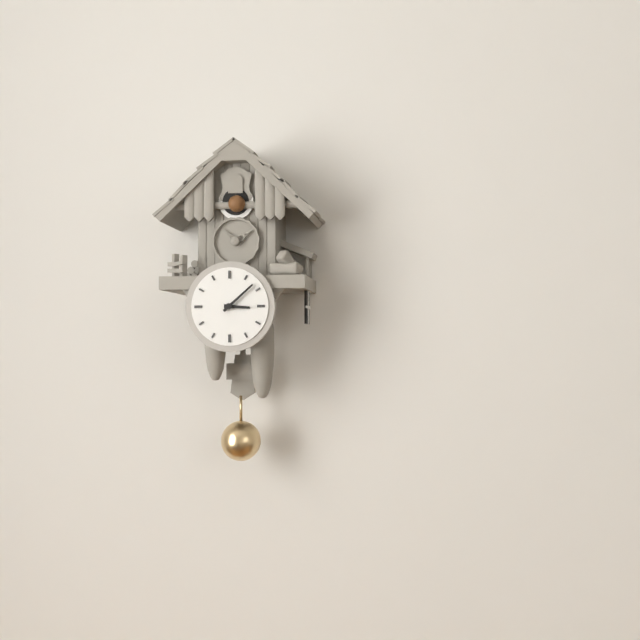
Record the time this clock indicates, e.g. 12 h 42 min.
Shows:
3 h 08 min
